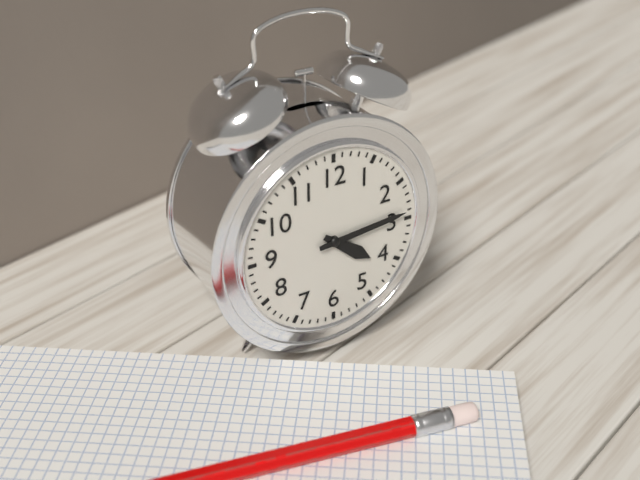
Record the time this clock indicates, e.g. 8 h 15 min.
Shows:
4 h 14 min
